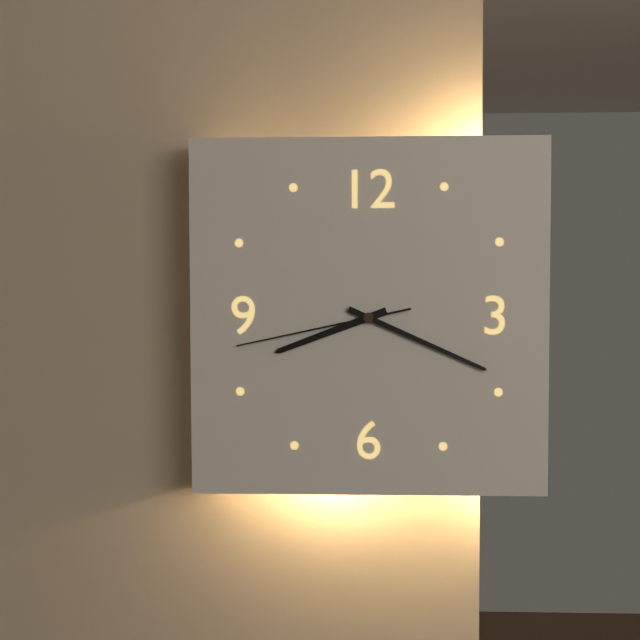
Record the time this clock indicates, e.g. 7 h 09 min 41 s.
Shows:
8 h 19 min 43 s
